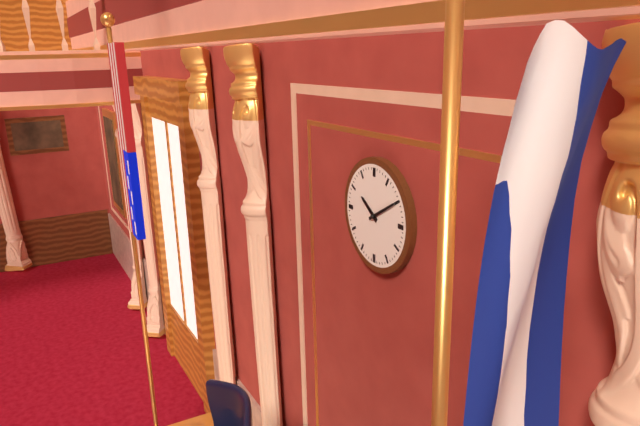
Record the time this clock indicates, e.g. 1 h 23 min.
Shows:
10 h 10 min
